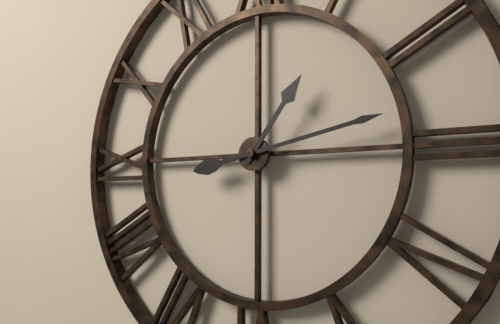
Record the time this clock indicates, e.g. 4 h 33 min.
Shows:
1 h 13 min
